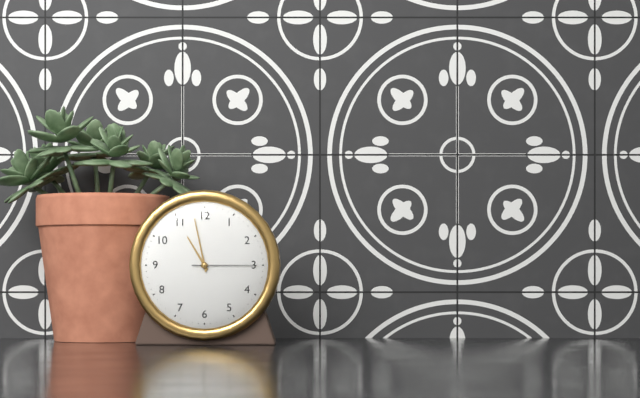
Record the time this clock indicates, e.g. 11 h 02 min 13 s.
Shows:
10 h 58 min 15 s
